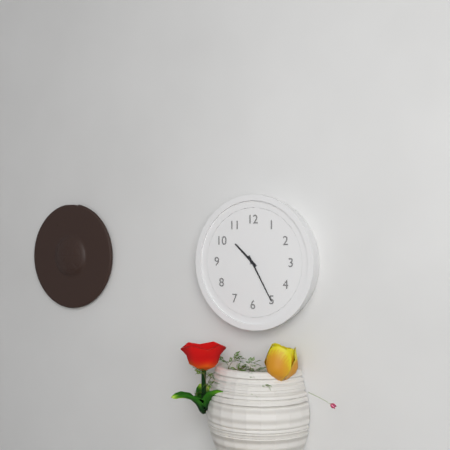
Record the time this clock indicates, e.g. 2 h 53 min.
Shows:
10 h 25 min
